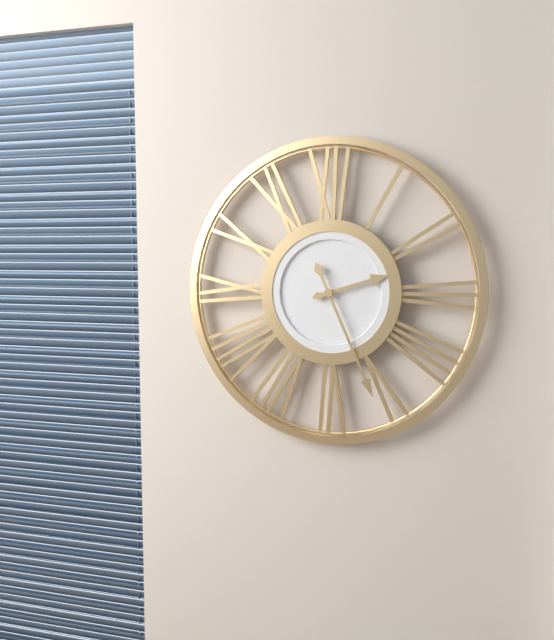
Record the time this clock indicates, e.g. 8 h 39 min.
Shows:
2 h 26 min
